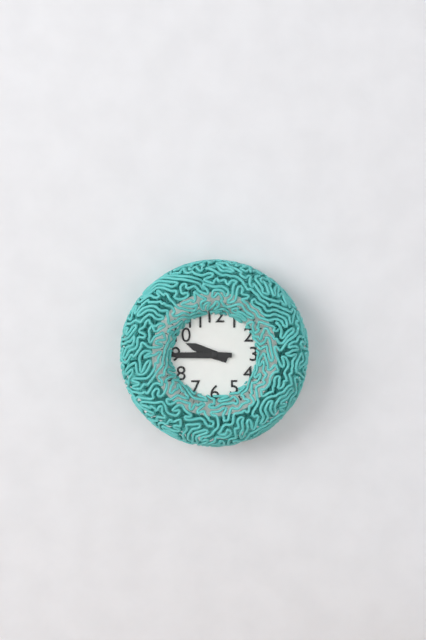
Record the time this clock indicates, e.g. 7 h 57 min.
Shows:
9 h 45 min
